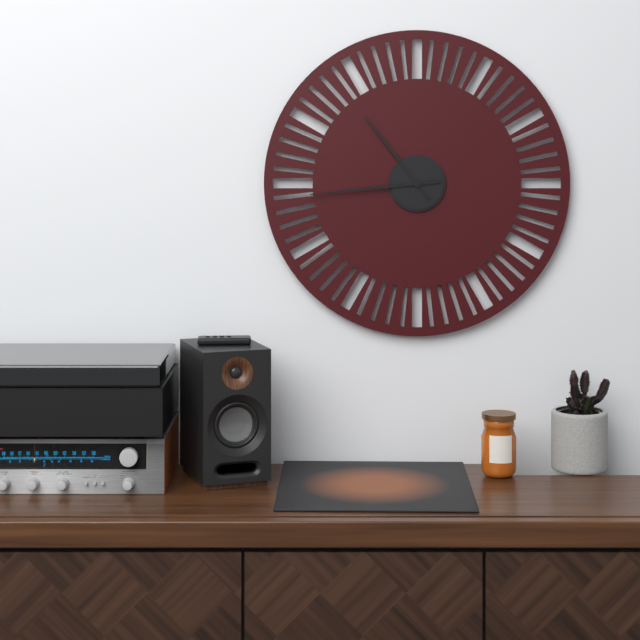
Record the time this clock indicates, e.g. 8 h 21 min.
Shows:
10 h 44 min
